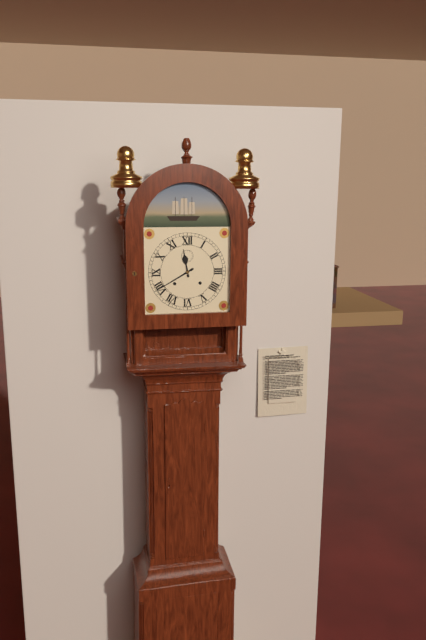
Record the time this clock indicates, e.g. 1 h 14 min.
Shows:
11 h 40 min
